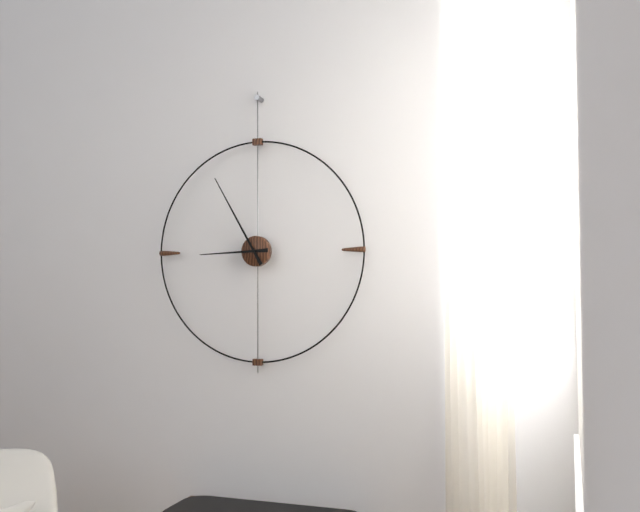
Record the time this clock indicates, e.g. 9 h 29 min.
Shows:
8 h 55 min
